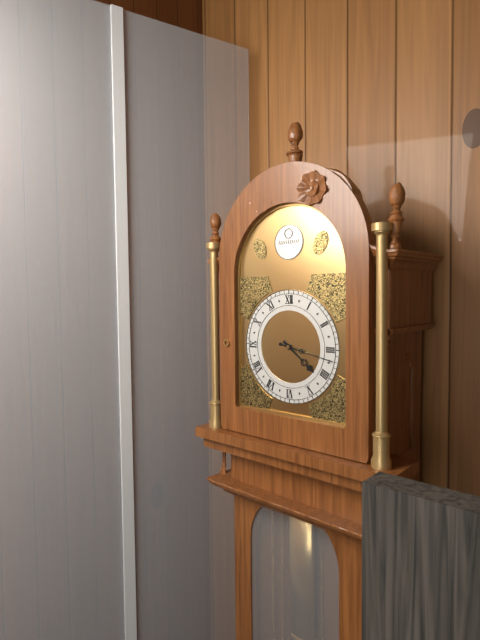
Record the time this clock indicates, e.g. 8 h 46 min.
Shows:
4 h 17 min
